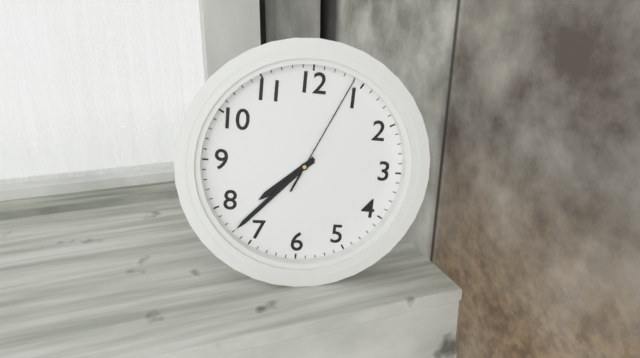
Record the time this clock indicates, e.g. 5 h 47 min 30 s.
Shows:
7 h 37 min 04 s
